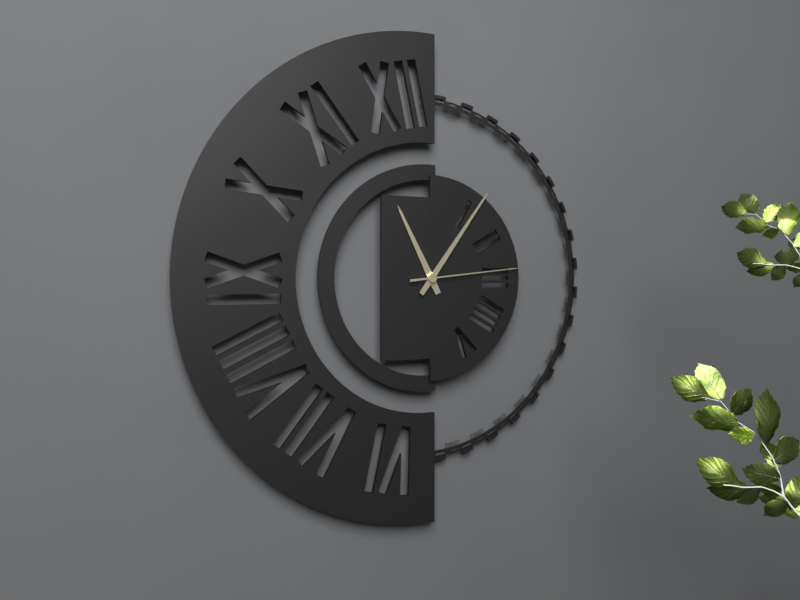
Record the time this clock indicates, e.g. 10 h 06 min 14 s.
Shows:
11 h 06 min 14 s
